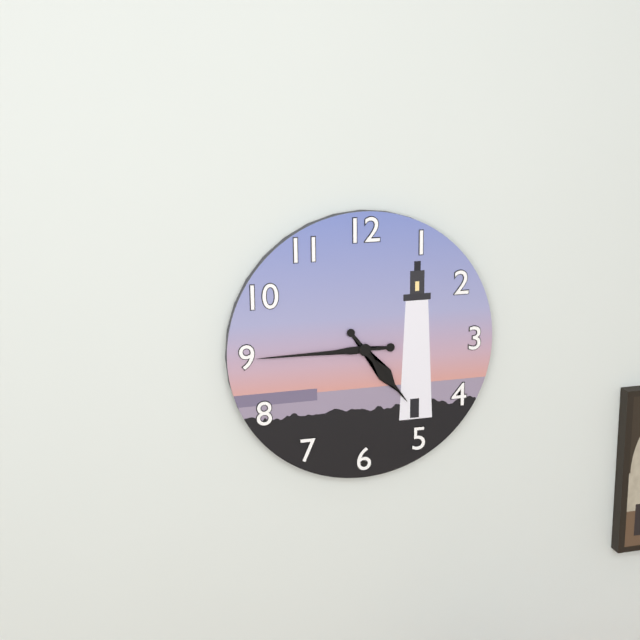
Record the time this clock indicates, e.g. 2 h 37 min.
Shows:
4 h 45 min
